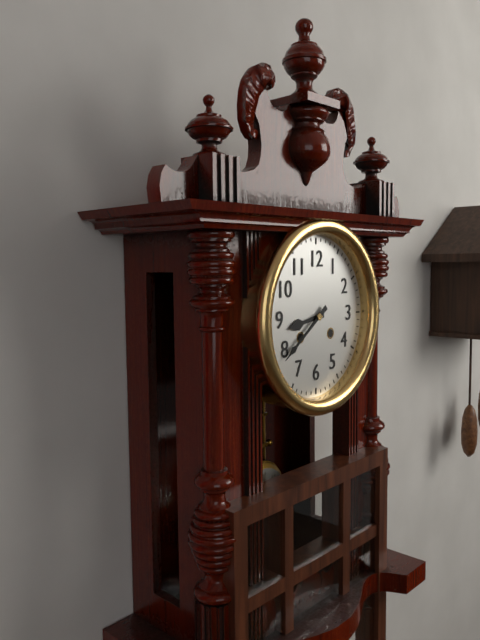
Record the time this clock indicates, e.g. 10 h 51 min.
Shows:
8 h 39 min
